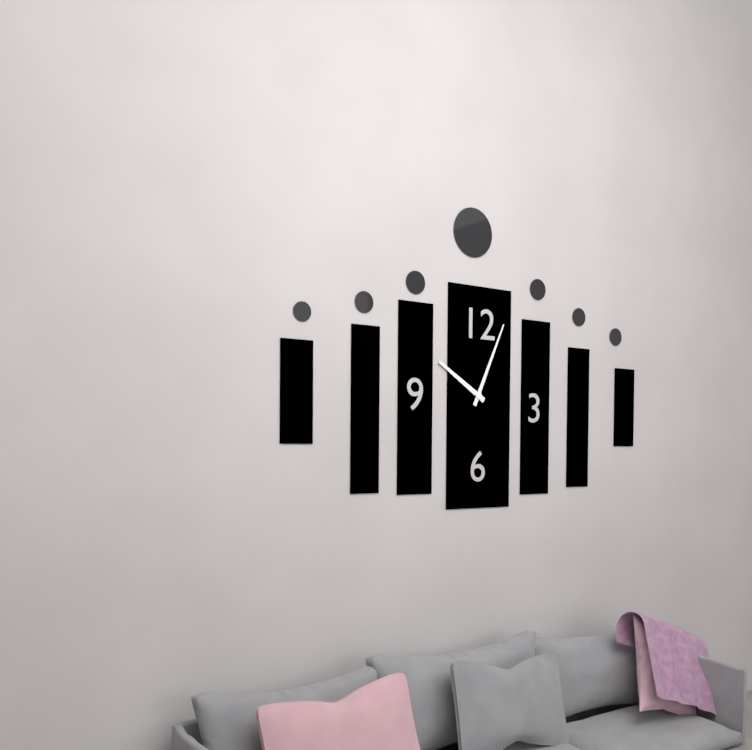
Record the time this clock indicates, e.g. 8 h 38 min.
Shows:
10 h 04 min
